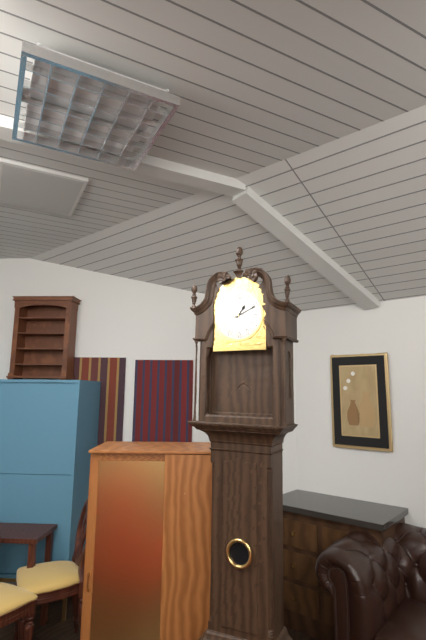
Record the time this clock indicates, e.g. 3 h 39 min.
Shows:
1 h 11 min
